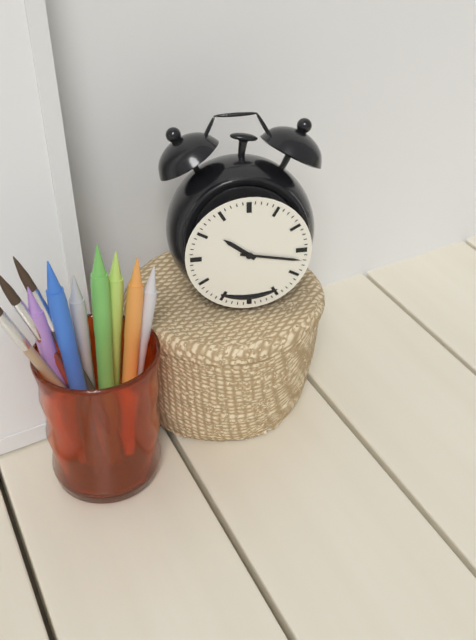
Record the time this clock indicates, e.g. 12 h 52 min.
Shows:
10 h 17 min
